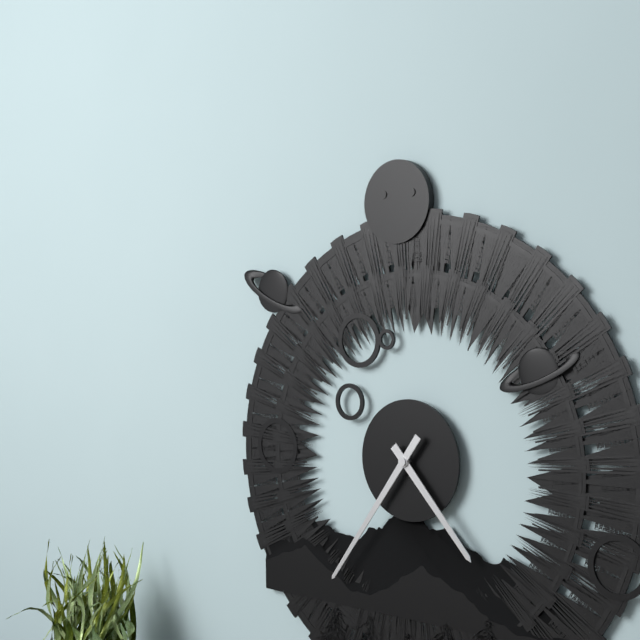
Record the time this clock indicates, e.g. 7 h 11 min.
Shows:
4 h 36 min
